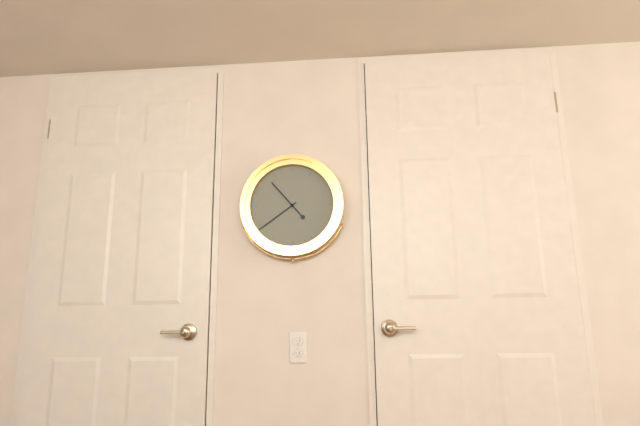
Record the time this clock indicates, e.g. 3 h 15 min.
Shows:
10 h 39 min
